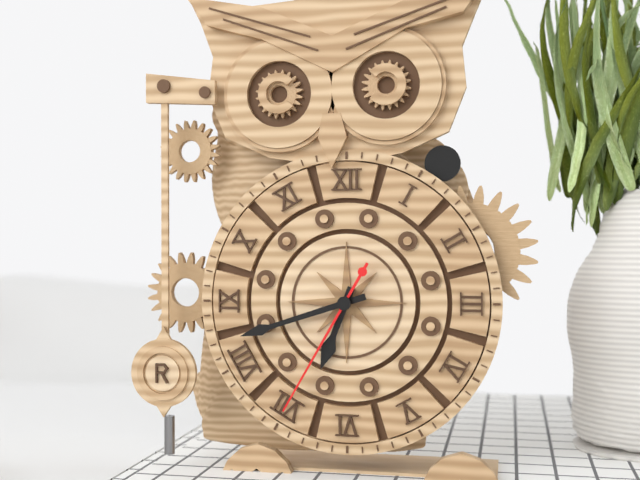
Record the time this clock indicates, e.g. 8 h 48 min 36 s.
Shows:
6 h 42 min 35 s
